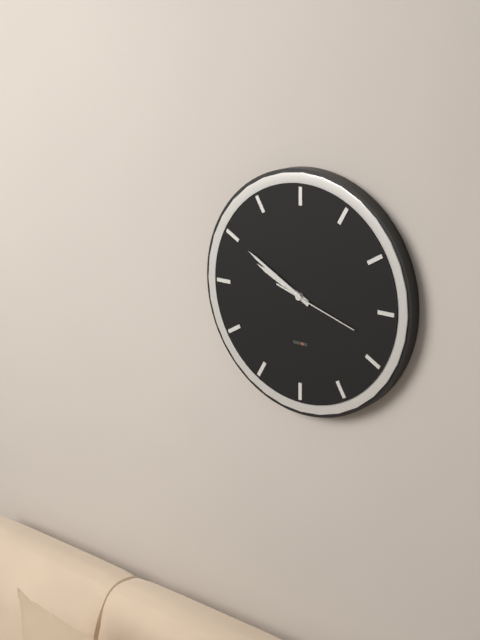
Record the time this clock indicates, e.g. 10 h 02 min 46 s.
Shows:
9 h 50 min 18 s
